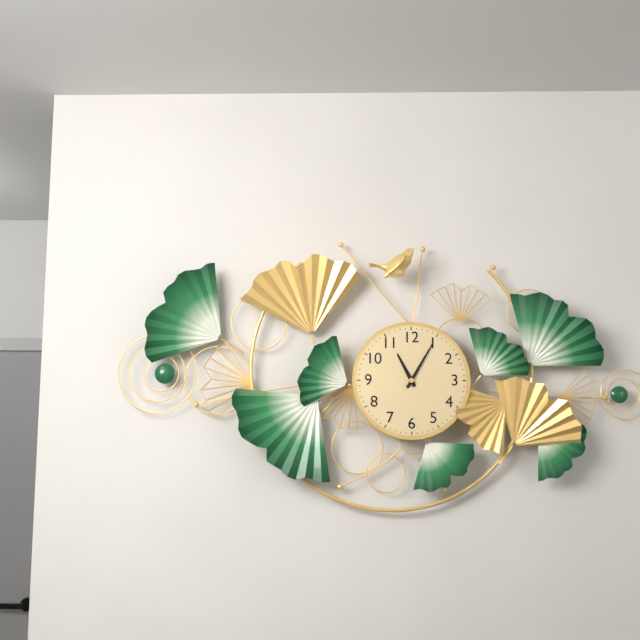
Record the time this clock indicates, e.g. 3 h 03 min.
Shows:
11 h 05 min
